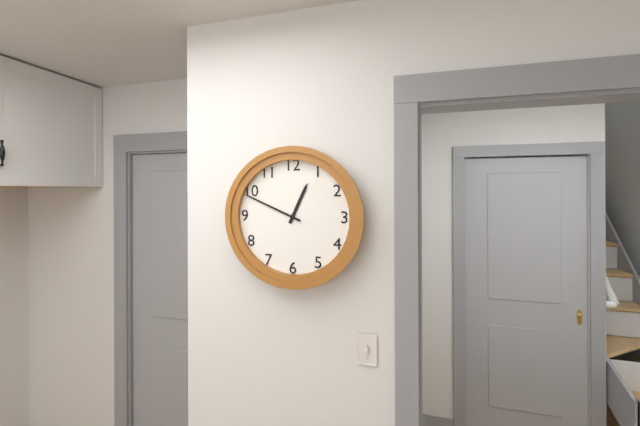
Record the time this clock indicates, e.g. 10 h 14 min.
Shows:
12 h 49 min
